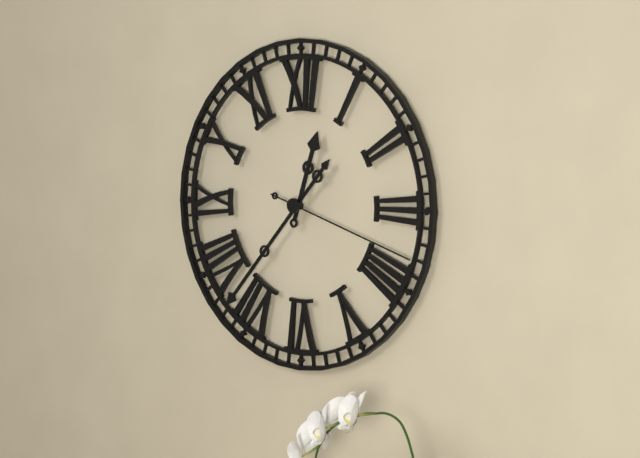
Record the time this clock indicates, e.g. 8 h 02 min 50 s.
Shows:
12 h 37 min 18 s
